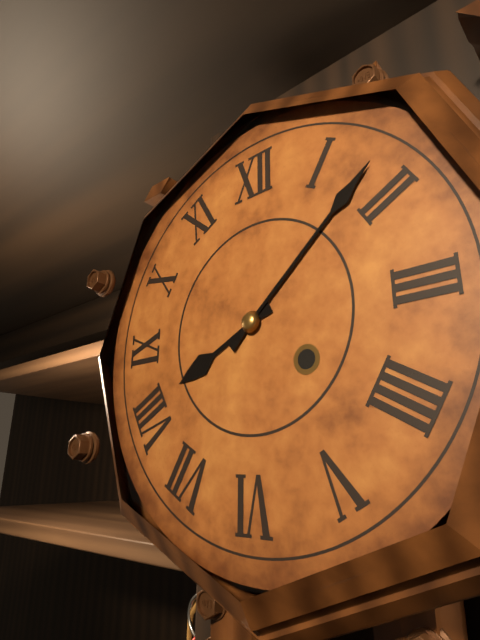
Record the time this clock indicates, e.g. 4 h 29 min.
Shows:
8 h 08 min
